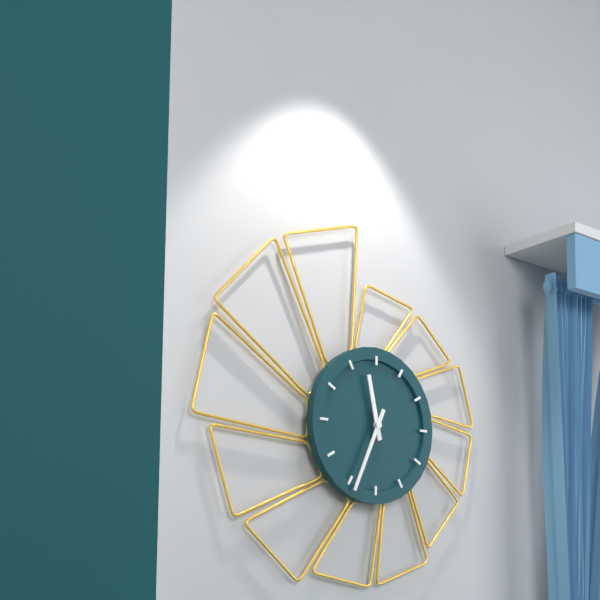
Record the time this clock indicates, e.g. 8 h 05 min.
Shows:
11 h 34 min
